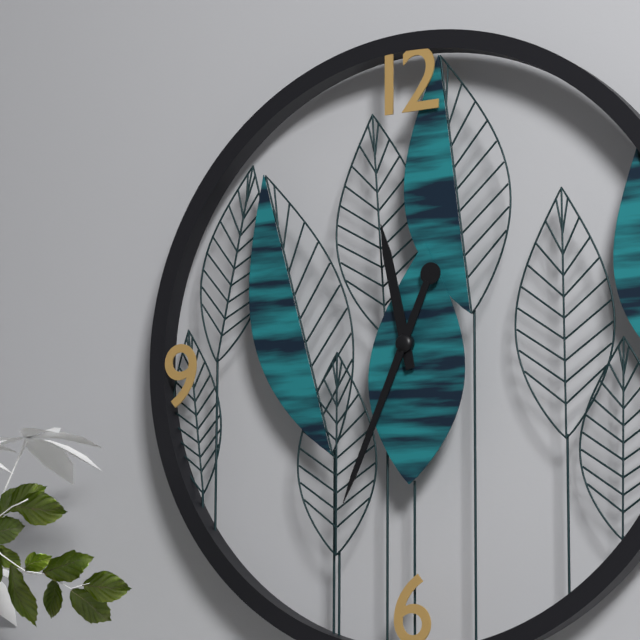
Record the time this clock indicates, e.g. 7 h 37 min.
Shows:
11 h 34 min
